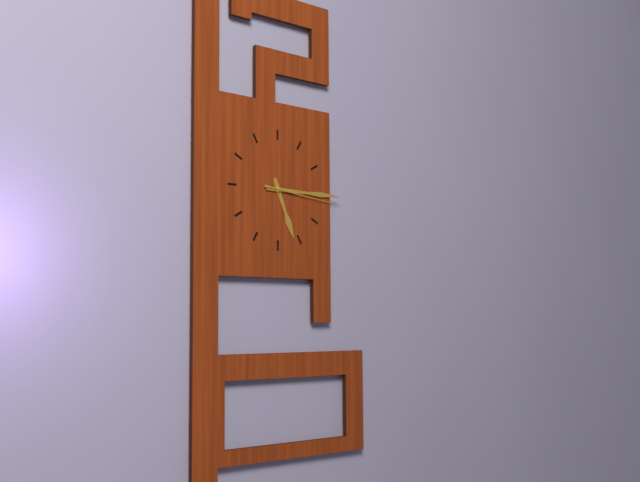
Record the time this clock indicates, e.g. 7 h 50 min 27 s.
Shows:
5 h 15 min 16 s
